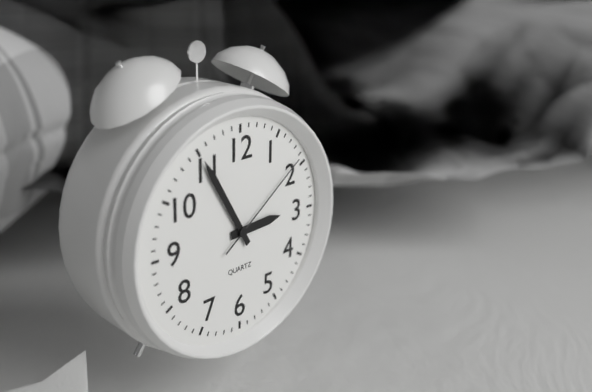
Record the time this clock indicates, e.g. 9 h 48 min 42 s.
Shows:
2 h 55 min 09 s
